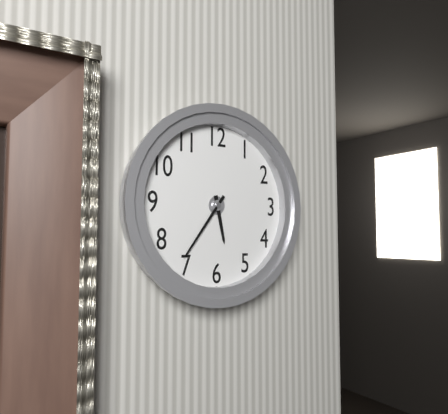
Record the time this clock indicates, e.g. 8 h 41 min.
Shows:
5 h 36 min
